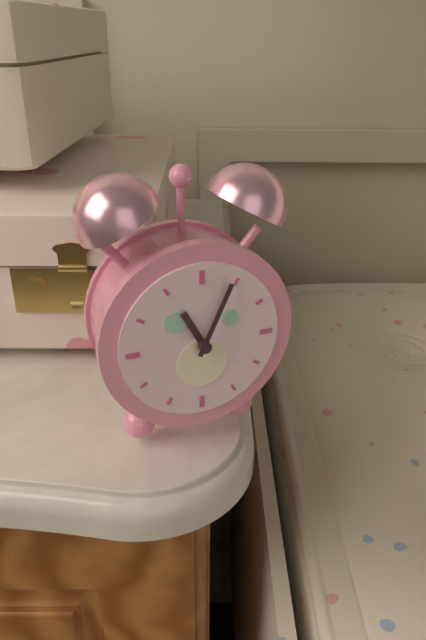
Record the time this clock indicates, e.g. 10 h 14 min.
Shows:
11 h 04 min
